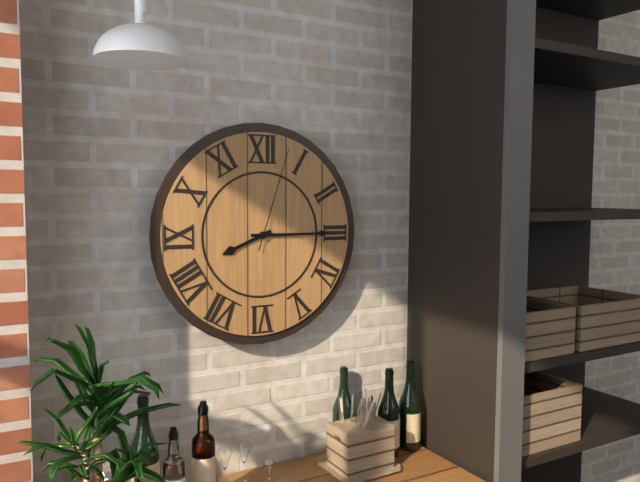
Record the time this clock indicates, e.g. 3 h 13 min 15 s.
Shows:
8 h 15 min 03 s
